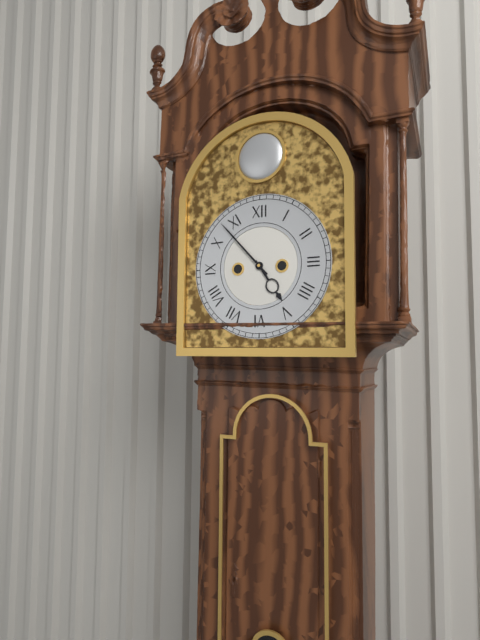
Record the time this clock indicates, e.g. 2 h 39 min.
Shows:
4 h 53 min
